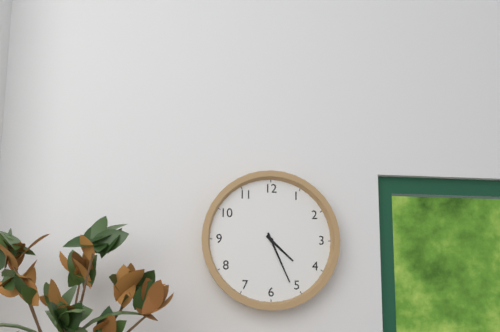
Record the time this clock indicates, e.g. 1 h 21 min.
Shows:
4 h 26 min
